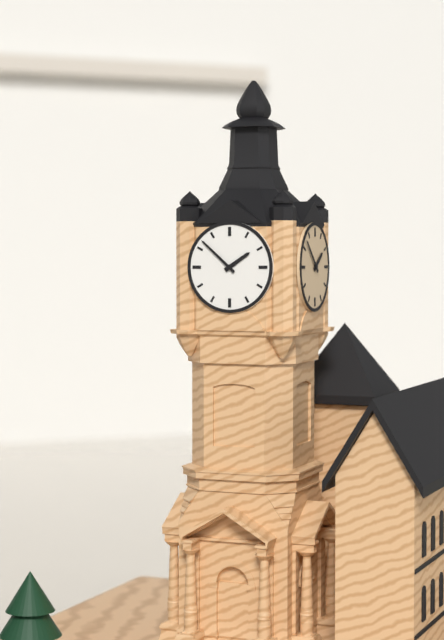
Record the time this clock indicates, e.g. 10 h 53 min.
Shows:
1 h 52 min
